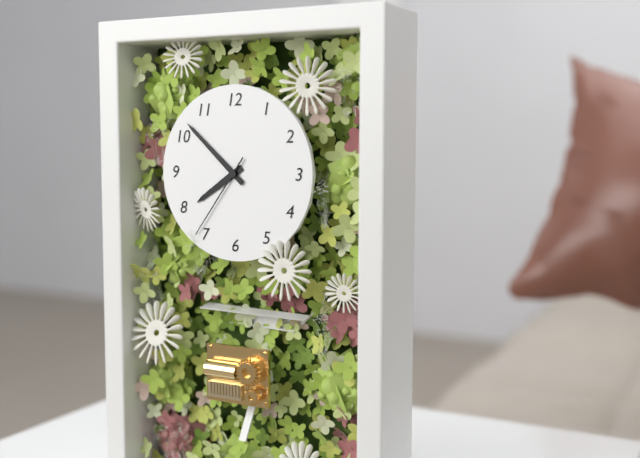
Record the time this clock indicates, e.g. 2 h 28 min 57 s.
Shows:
7 h 52 min 36 s
